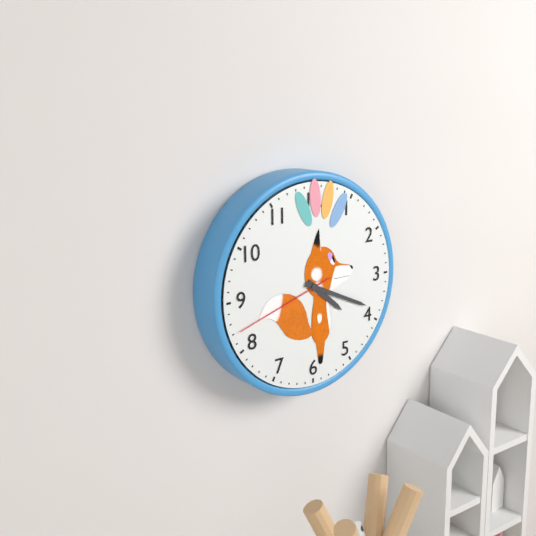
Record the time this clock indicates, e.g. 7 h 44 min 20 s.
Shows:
4 h 19 min 42 s
